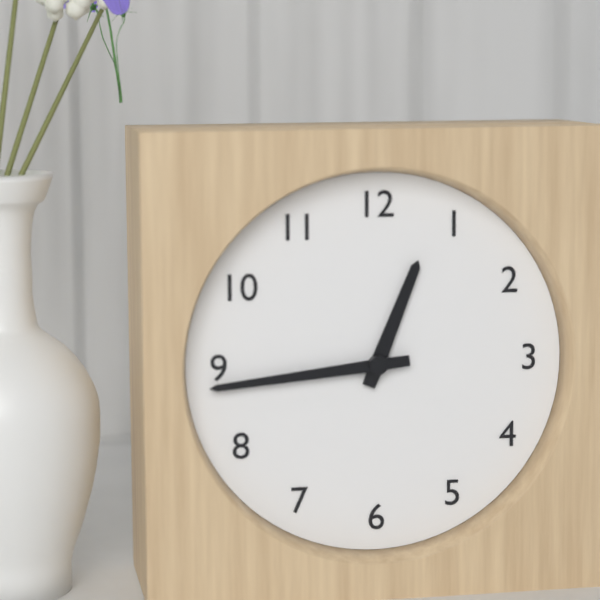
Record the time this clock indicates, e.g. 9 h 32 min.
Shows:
12 h 44 min
